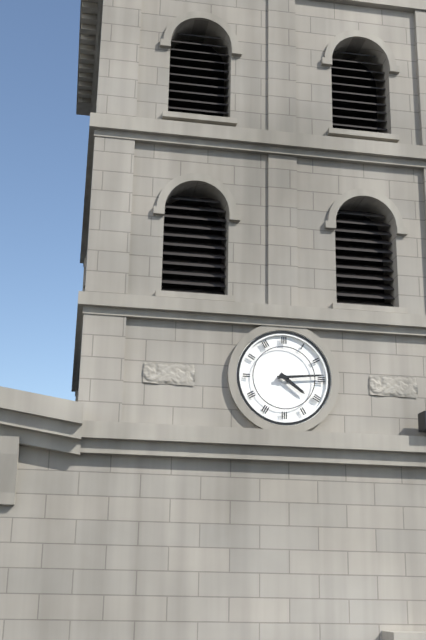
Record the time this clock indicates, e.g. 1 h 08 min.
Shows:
4 h 14 min
